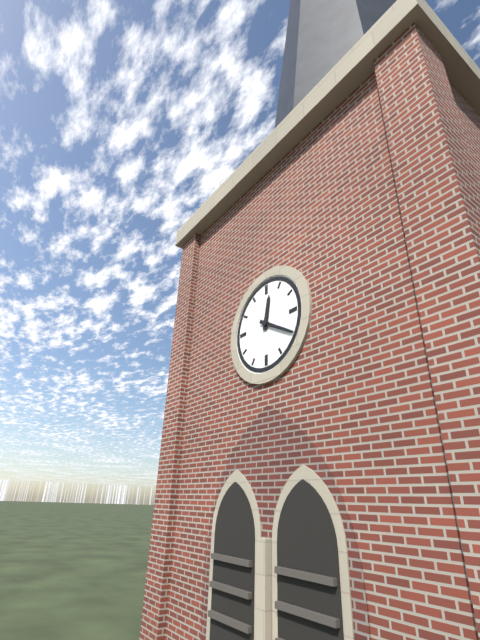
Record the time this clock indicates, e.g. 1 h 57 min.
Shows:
12 h 20 min
